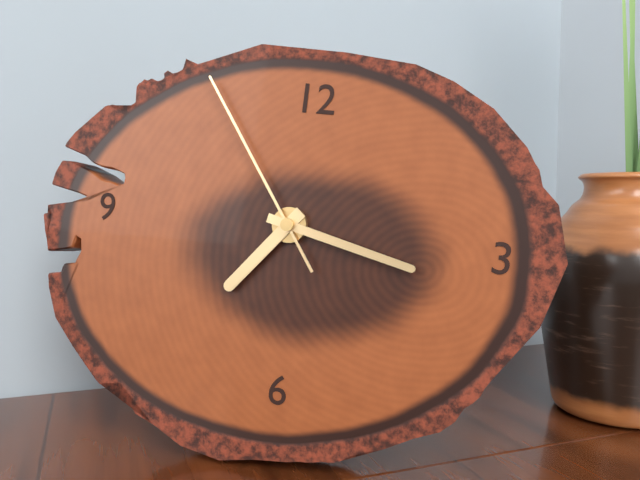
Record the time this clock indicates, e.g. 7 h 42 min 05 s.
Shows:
7 h 17 min 54 s
